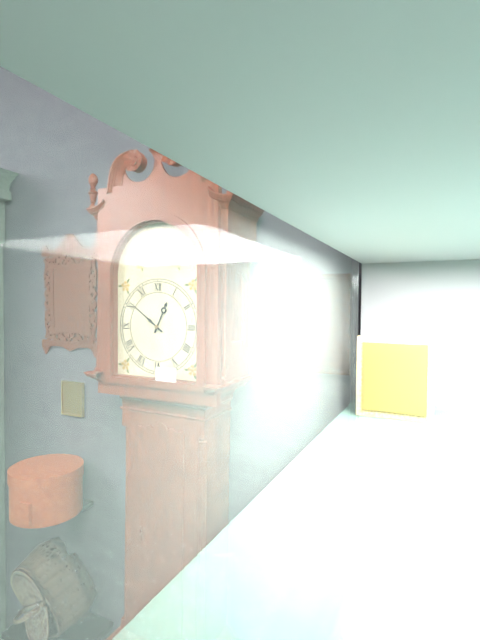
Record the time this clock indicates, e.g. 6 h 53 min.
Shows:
12 h 51 min
